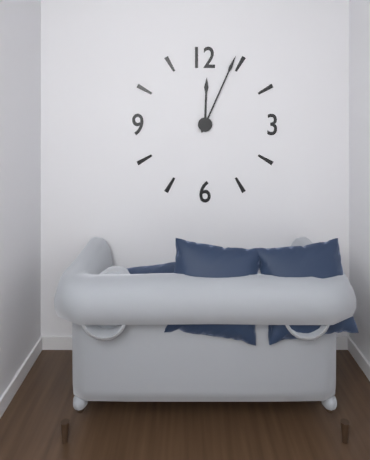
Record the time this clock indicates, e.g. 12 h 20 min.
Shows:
12 h 04 min
